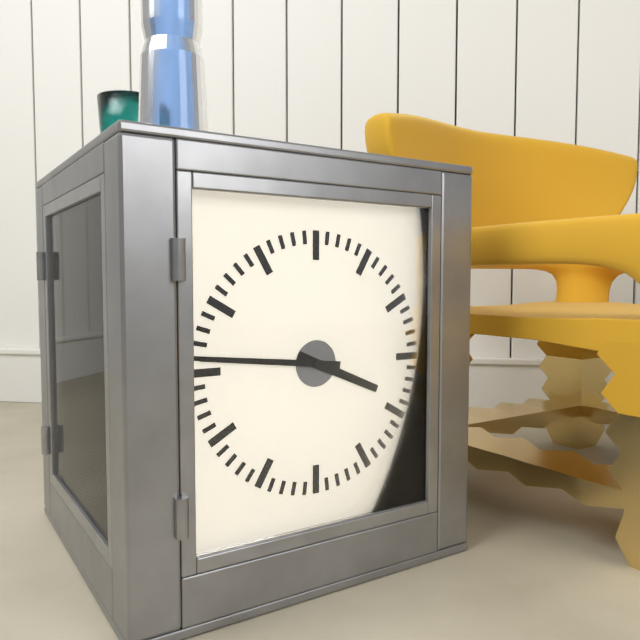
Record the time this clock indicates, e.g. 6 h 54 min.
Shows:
3 h 46 min
